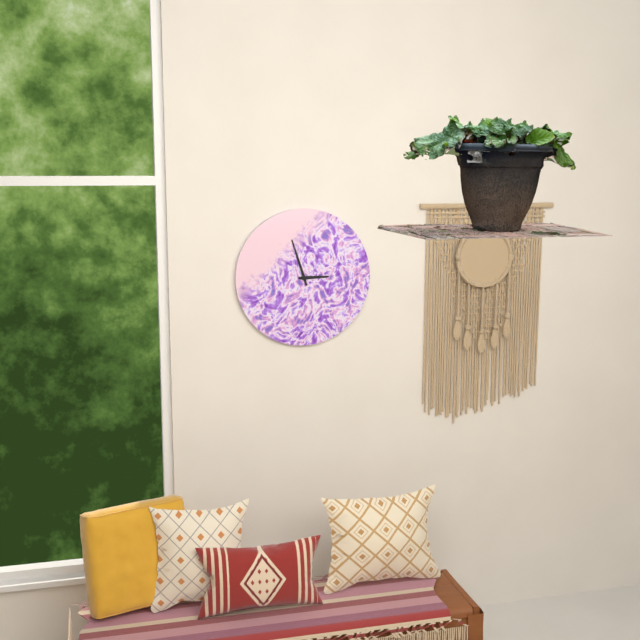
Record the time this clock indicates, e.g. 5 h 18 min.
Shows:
2 h 57 min
